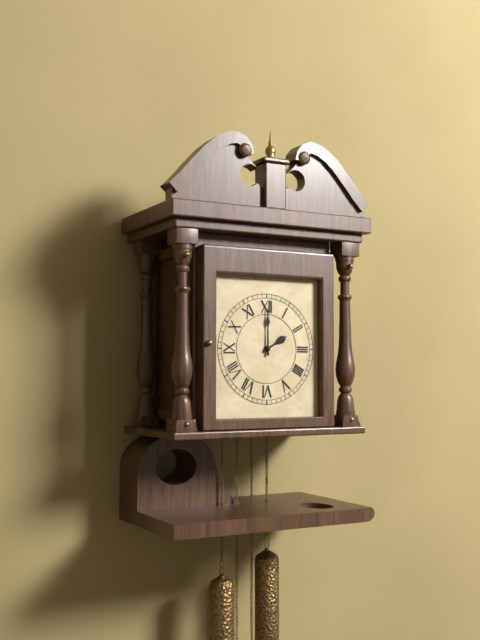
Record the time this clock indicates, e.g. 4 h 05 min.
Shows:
2 h 00 min
